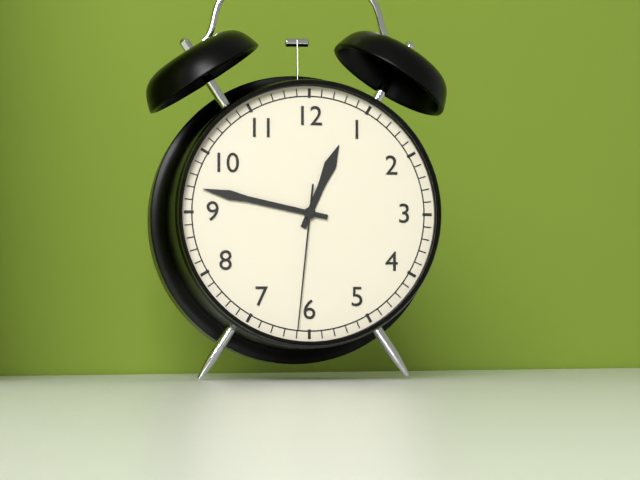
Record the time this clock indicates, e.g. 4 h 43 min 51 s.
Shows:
12 h 47 min 31 s
